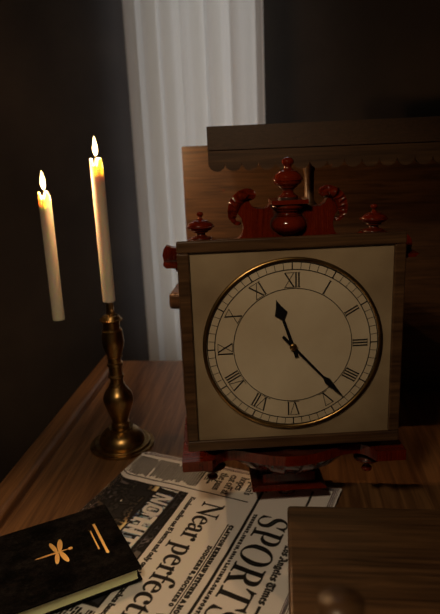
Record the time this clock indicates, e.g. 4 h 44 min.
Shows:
11 h 23 min
